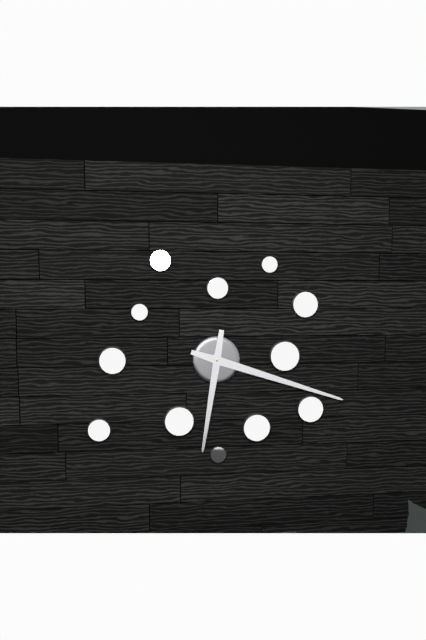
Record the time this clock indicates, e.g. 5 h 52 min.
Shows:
6 h 18 min
